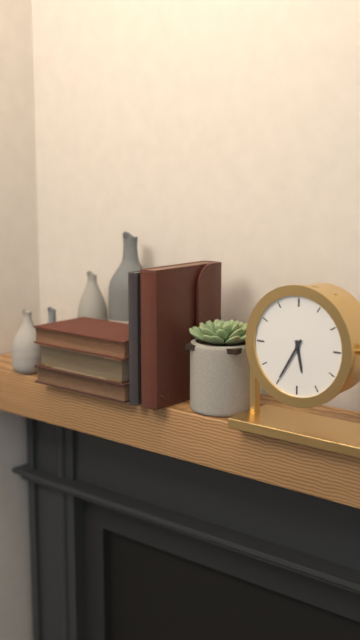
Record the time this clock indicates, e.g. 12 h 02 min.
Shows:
5 h 35 min
